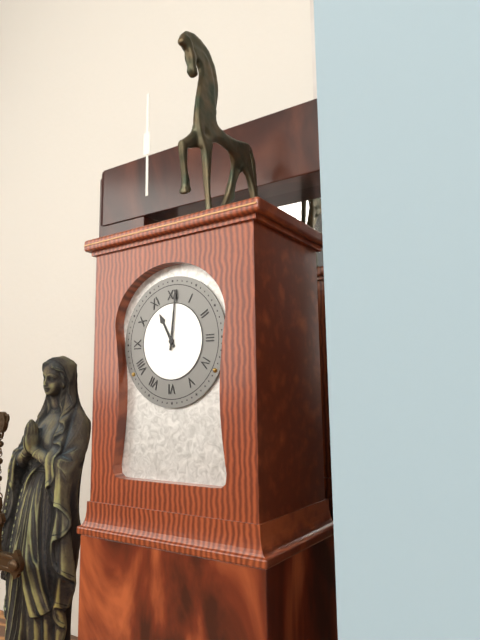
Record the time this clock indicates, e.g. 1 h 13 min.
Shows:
11 h 01 min
